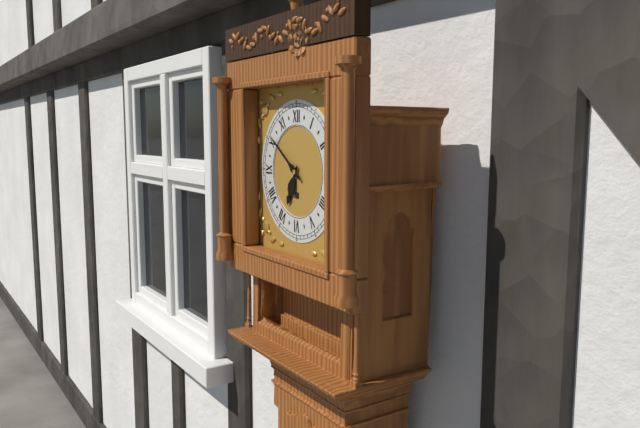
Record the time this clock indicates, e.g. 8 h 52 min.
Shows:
6 h 51 min
